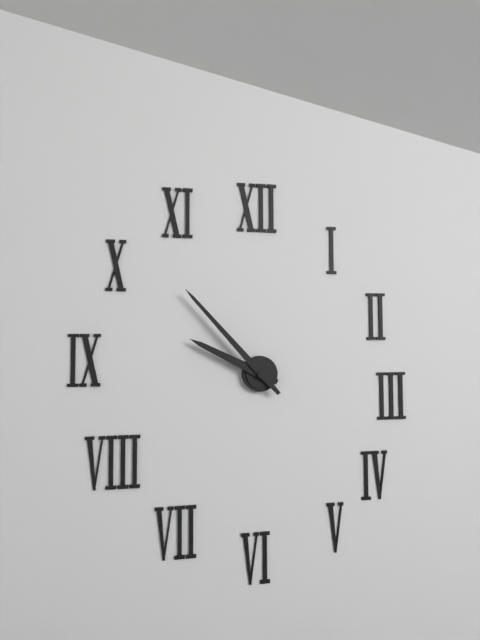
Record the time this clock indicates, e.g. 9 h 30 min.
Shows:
9 h 53 min
